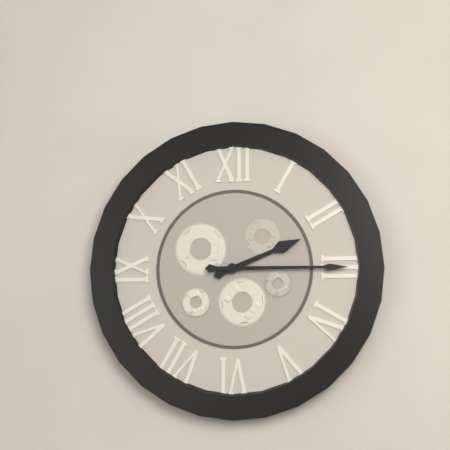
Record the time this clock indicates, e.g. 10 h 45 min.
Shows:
2 h 15 min
